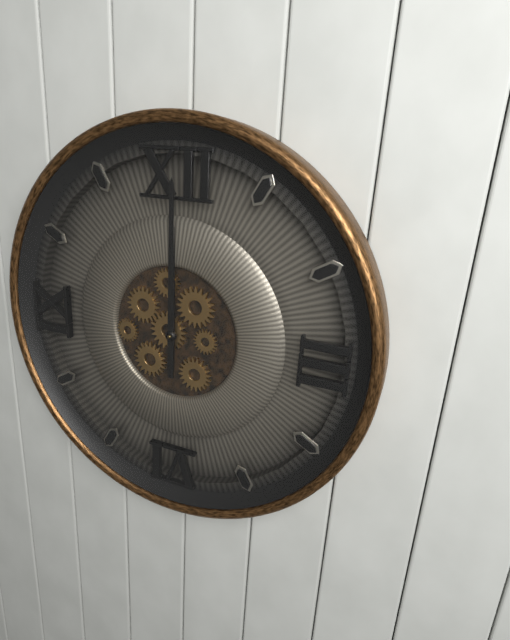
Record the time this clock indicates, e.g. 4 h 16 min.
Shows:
12 h 00 min
